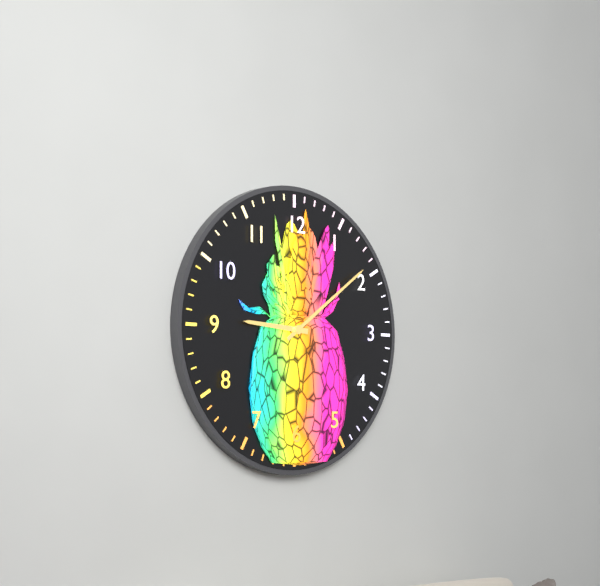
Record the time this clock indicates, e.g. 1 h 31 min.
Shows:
9 h 09 min
